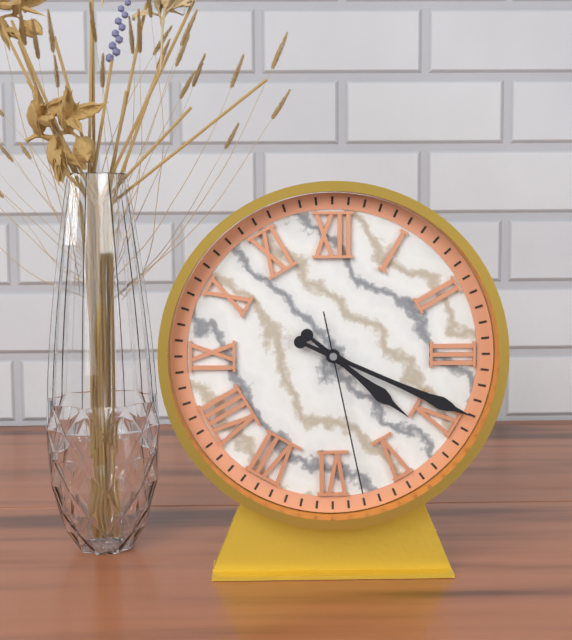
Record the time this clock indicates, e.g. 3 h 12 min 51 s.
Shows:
4 h 19 min 28 s
